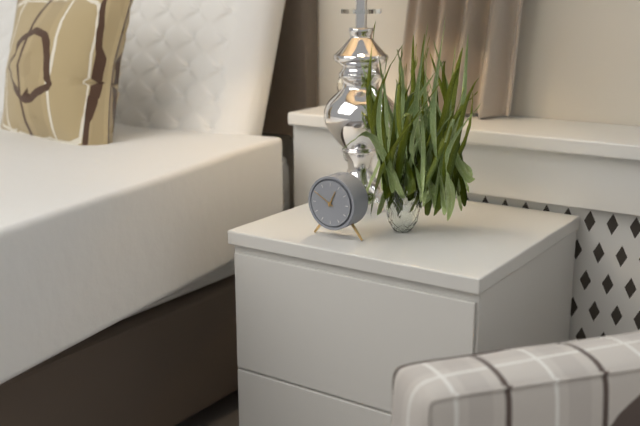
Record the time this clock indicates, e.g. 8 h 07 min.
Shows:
12 h 50 min
